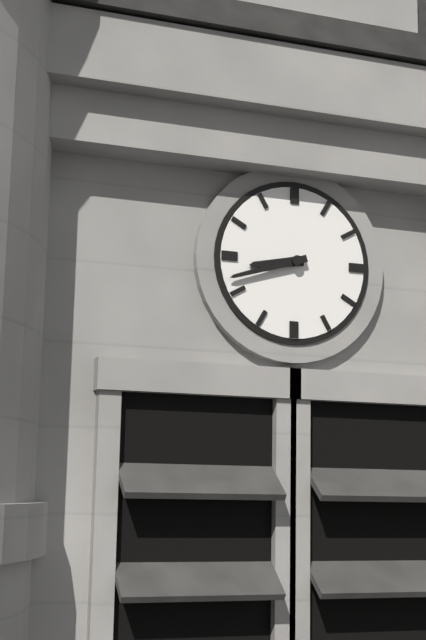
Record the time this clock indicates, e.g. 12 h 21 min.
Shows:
8 h 42 min
